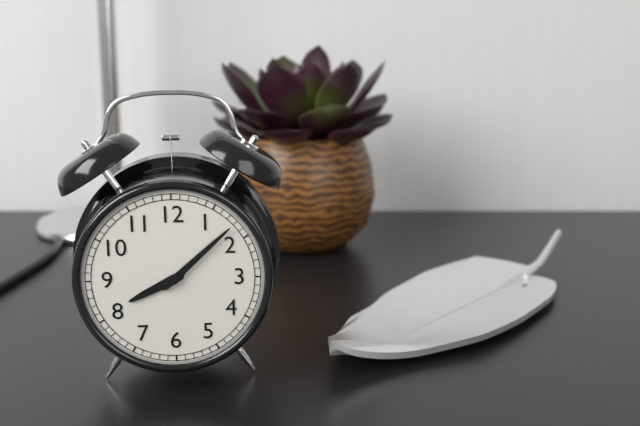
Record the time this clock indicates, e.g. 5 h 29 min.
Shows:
8 h 08 min
